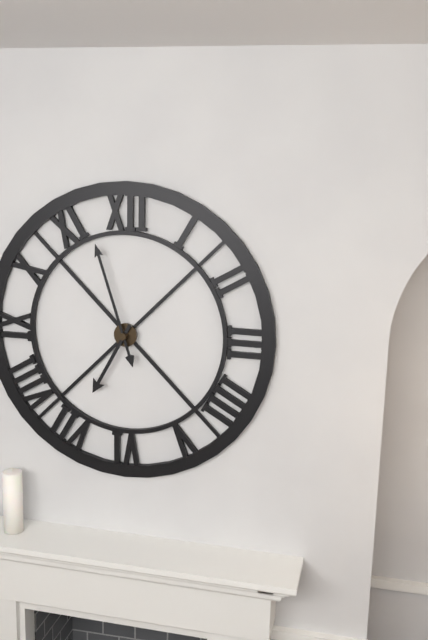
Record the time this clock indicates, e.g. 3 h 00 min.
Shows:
6 h 57 min
